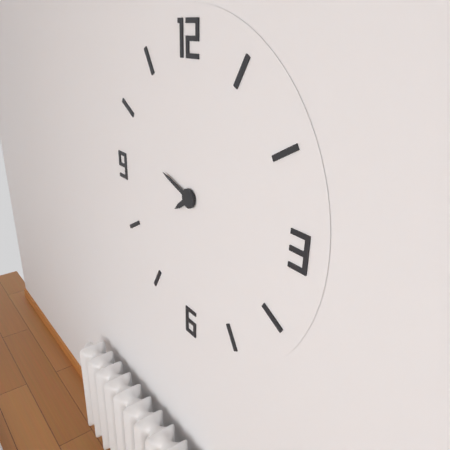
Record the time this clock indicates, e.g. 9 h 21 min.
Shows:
7 h 48 min
